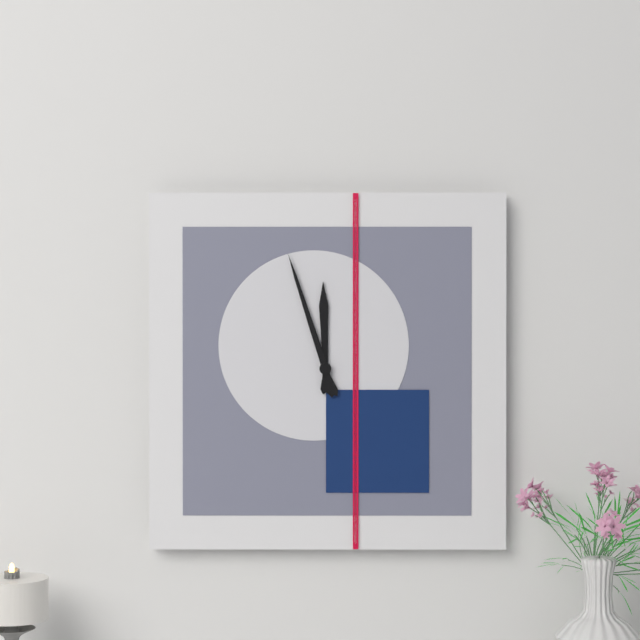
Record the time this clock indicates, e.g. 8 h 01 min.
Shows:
11 h 57 min
